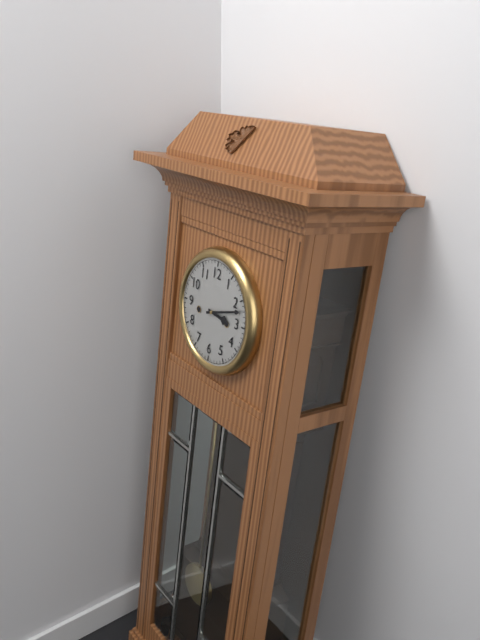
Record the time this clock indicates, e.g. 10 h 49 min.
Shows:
3 h 12 min
